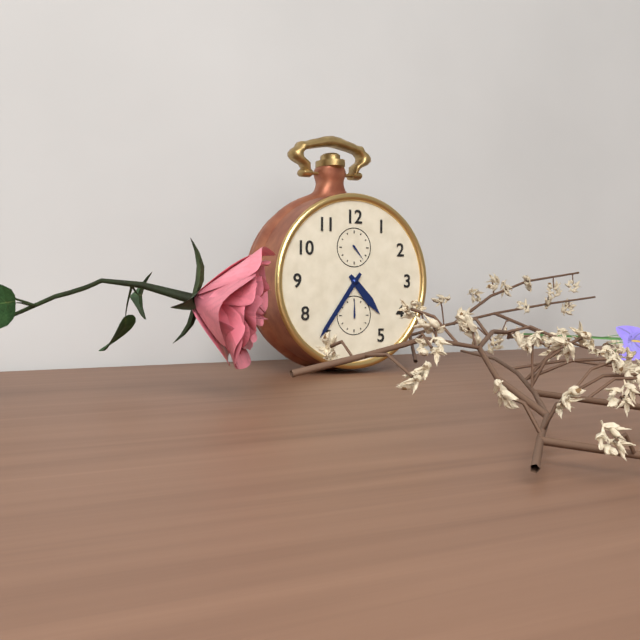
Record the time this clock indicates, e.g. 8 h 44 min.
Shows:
4 h 36 min
